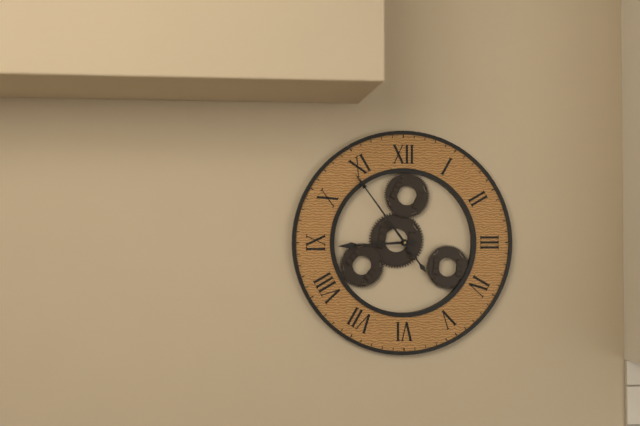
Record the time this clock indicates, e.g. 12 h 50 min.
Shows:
8 h 54 min
